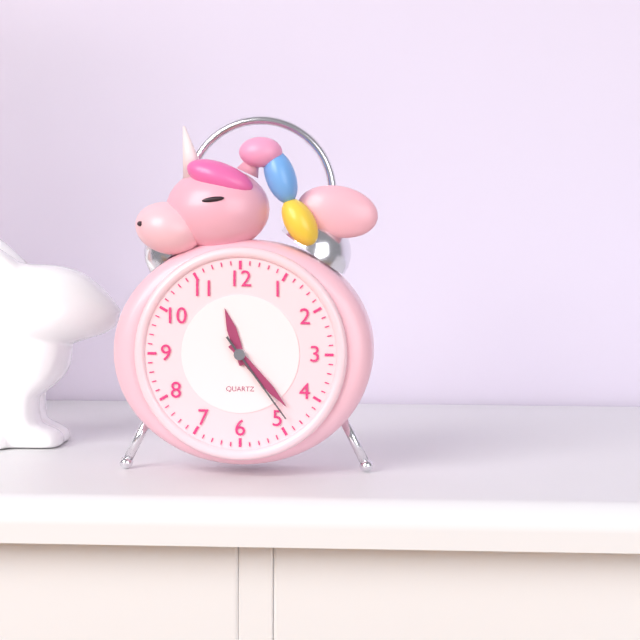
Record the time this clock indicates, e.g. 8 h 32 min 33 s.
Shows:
11 h 23 min 24 s
